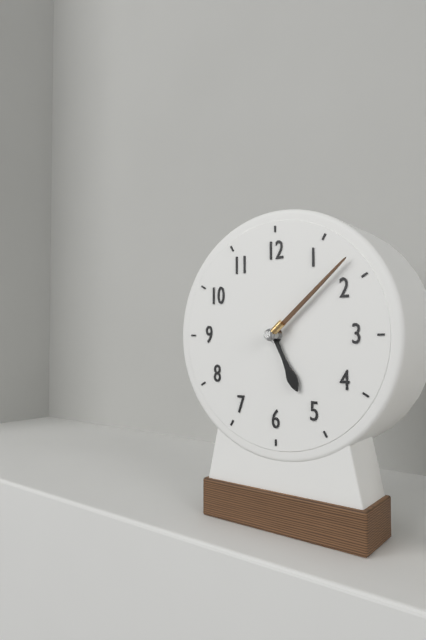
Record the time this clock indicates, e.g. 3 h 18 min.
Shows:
5 h 08 min
